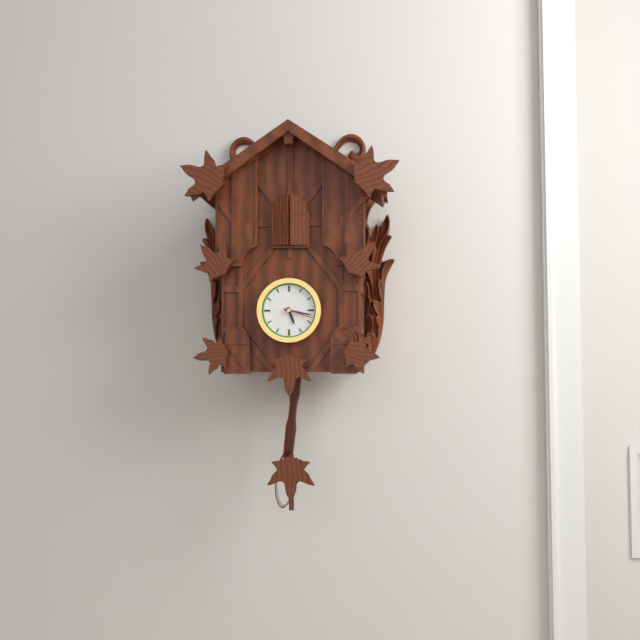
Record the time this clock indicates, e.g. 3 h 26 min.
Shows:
5 h 17 min
